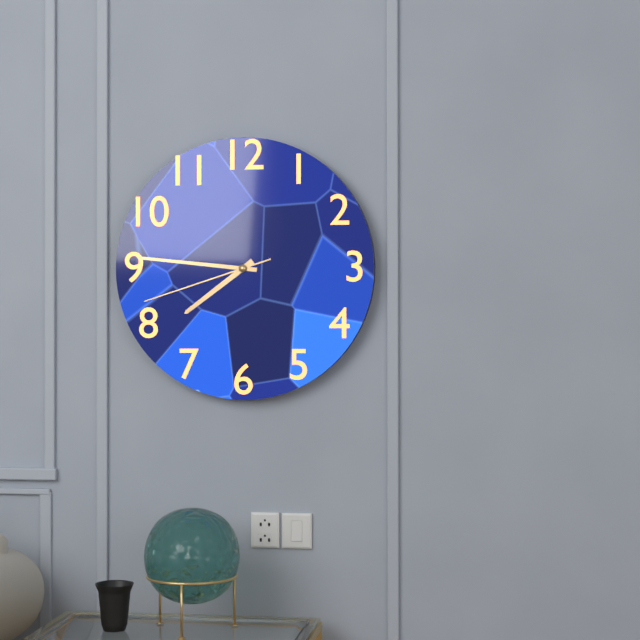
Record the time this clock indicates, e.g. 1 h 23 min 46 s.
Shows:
7 h 46 min 42 s
